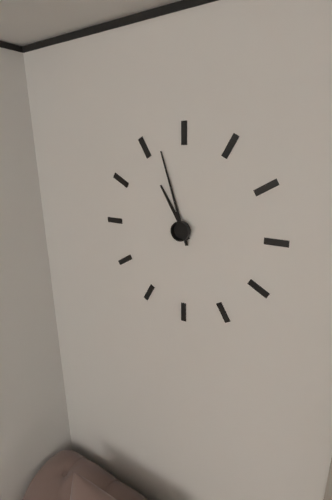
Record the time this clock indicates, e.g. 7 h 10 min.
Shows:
10 h 57 min
